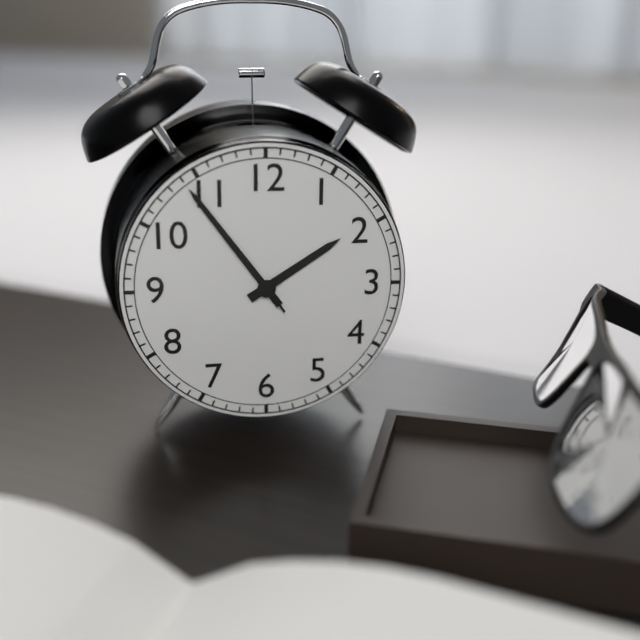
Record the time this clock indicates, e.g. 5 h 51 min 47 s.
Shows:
1 h 54 min 54 s
